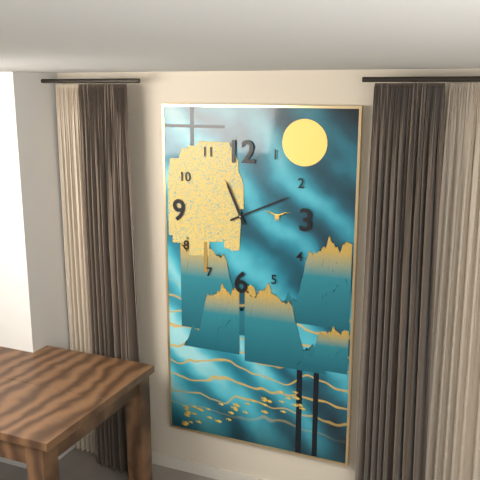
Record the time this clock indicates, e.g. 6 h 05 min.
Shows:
11 h 11 min
